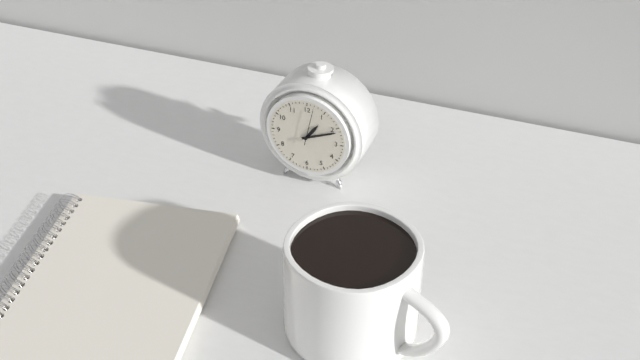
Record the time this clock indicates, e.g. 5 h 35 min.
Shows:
1 h 11 min
